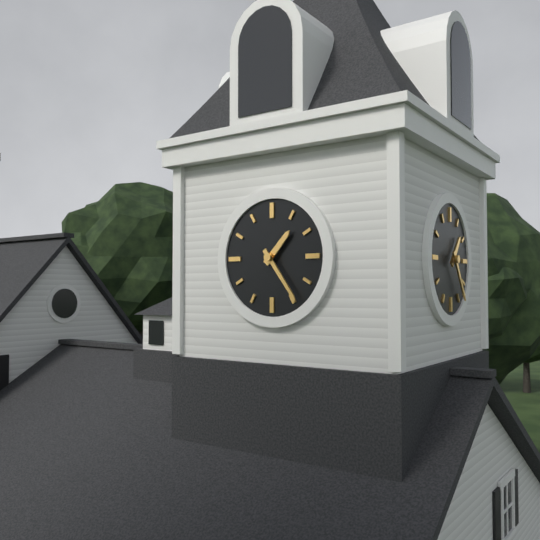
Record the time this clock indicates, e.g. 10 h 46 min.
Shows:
1 h 24 min
